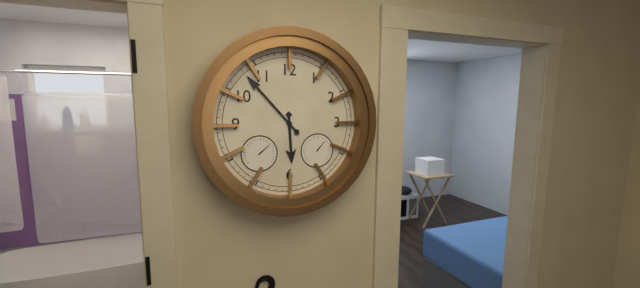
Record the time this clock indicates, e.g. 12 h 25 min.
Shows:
5 h 53 min
